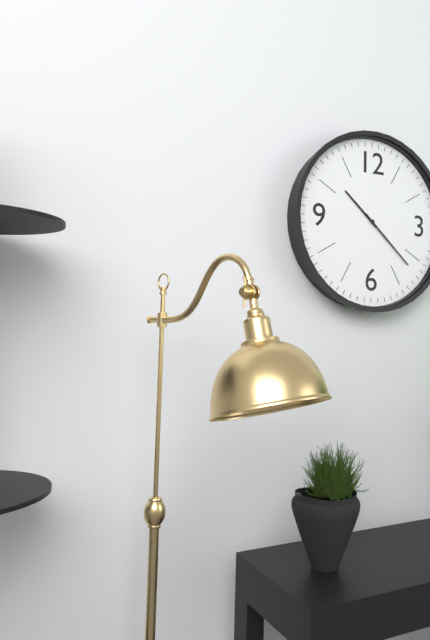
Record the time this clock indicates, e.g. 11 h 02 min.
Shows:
10 h 22 min
